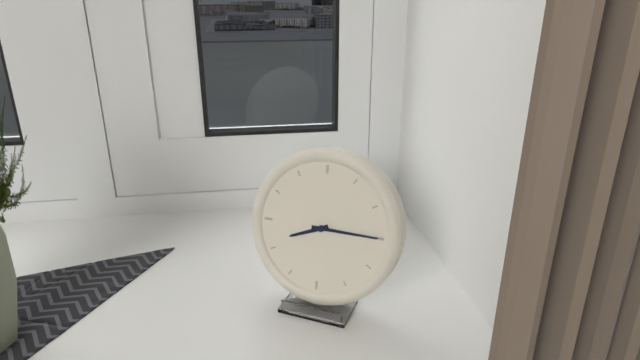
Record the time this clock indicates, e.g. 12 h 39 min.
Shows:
8 h 15 min
